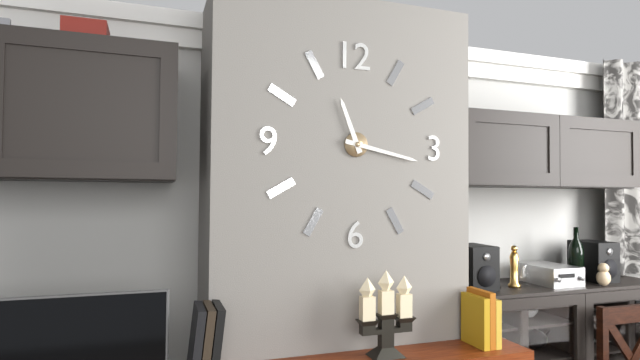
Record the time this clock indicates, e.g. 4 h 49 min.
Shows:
11 h 17 min
